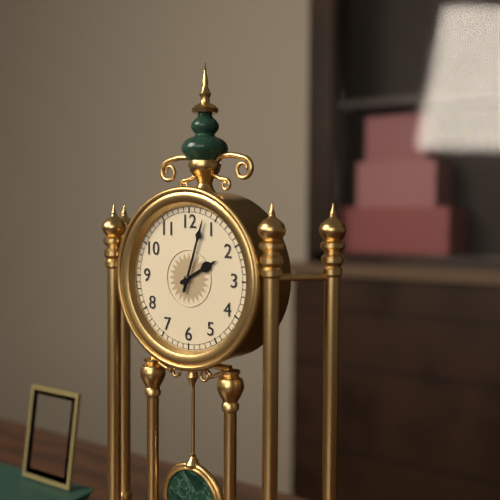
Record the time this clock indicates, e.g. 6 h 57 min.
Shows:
2 h 03 min
